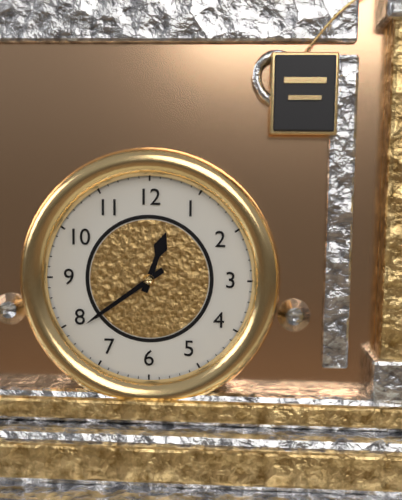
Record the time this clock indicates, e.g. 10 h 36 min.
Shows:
12 h 39 min
